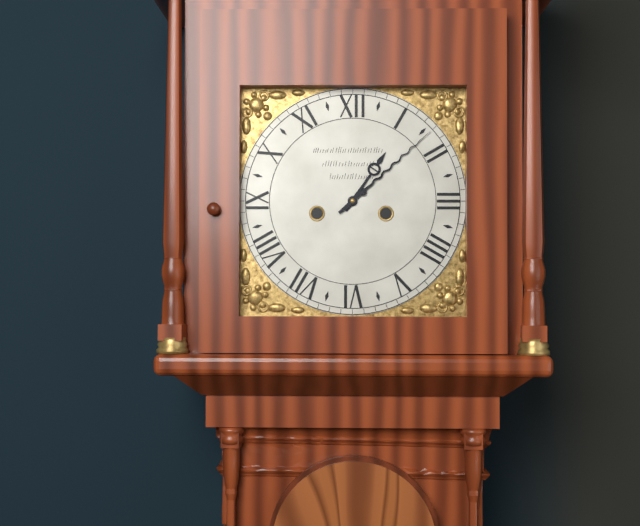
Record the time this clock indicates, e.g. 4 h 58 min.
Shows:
1 h 08 min
